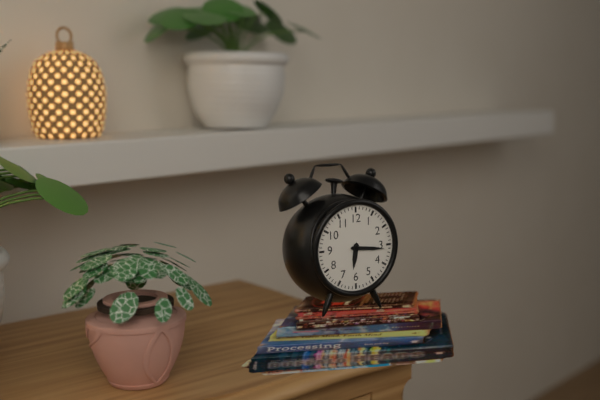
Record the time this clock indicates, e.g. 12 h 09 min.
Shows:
6 h 16 min
